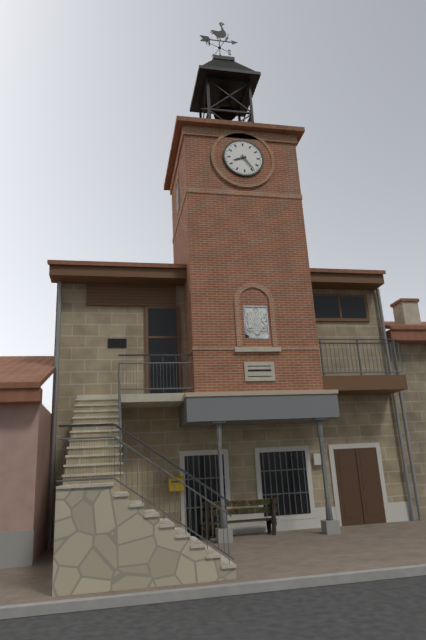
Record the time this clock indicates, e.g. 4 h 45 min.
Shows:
8 h 24 min
